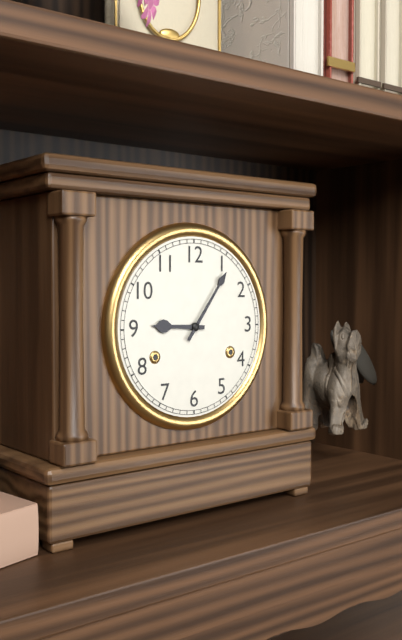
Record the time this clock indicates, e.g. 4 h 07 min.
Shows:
9 h 06 min
